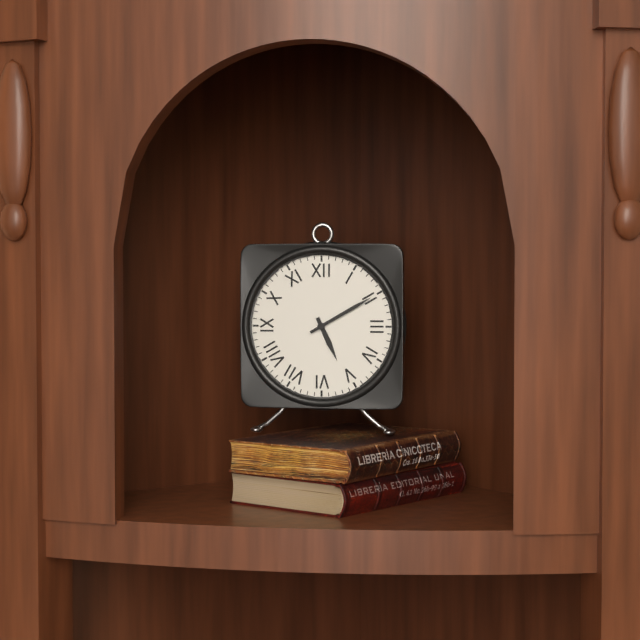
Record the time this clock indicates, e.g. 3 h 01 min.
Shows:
5 h 10 min
